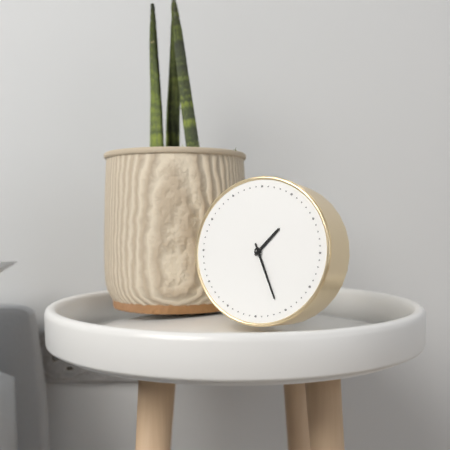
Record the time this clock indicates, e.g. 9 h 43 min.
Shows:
1 h 26 min
